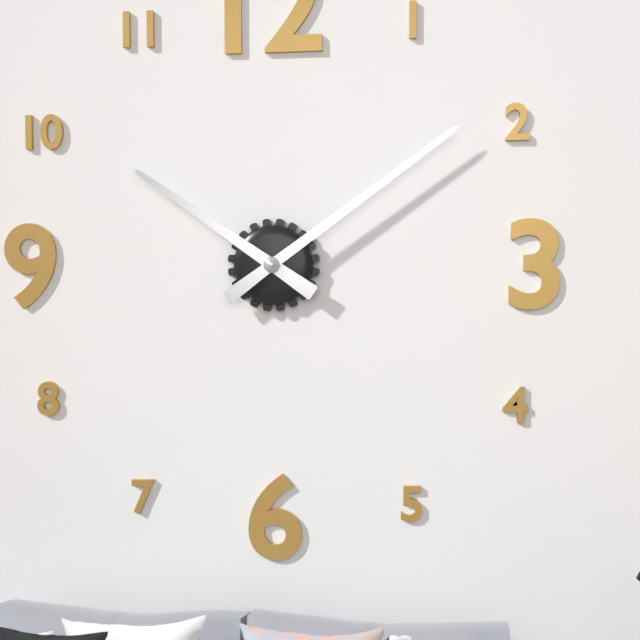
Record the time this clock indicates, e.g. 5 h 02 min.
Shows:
10 h 09 min
